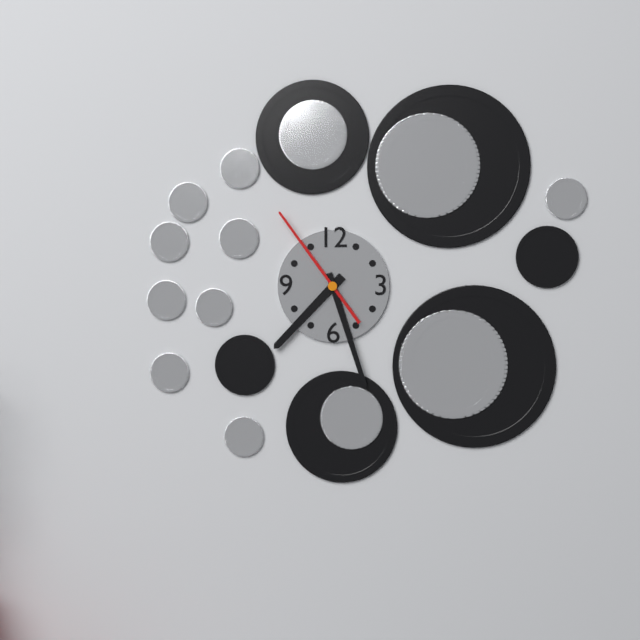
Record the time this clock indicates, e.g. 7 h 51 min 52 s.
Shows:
7 h 27 min 54 s
